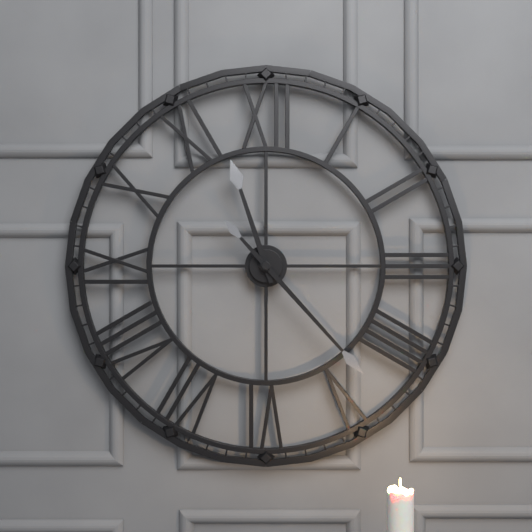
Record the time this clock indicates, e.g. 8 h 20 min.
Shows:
11 h 23 min
